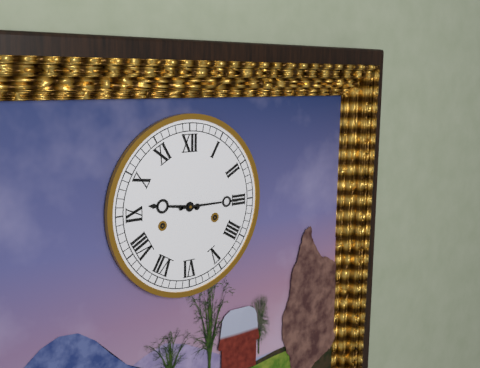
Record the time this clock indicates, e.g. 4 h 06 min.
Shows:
9 h 15 min
